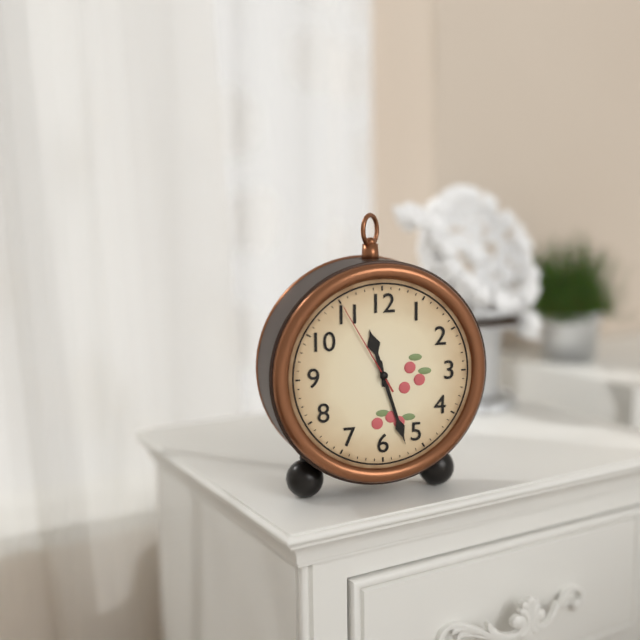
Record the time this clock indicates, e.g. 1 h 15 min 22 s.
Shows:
11 h 27 min 55 s
